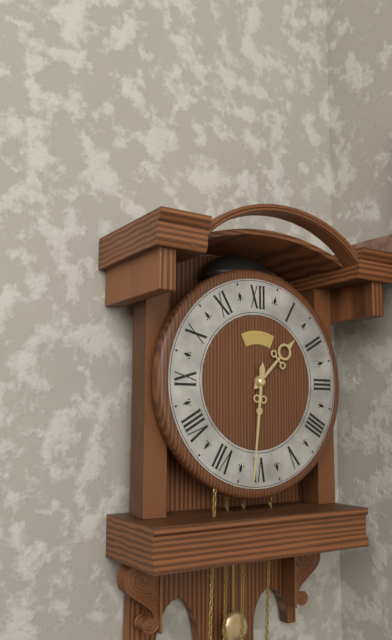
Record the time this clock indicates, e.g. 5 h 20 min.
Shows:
1 h 31 min
